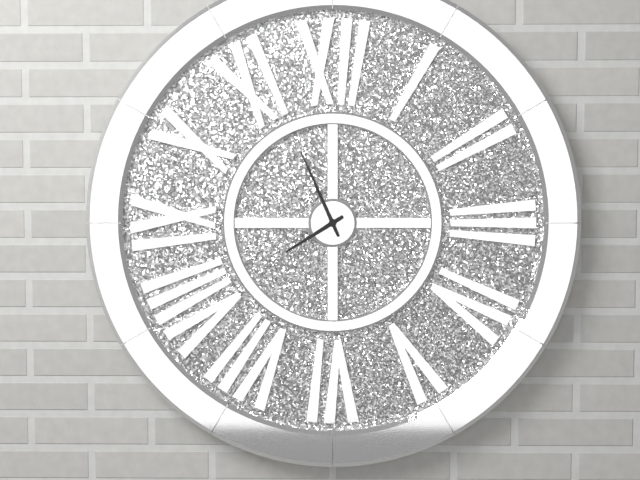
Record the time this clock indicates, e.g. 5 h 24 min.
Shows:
7 h 56 min
